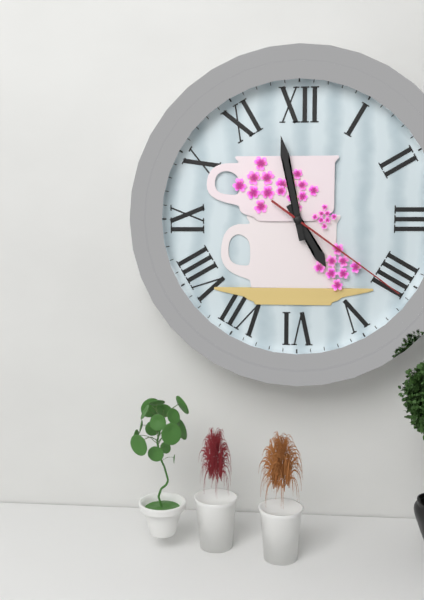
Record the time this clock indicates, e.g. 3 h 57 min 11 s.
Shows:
4 h 58 min 21 s
